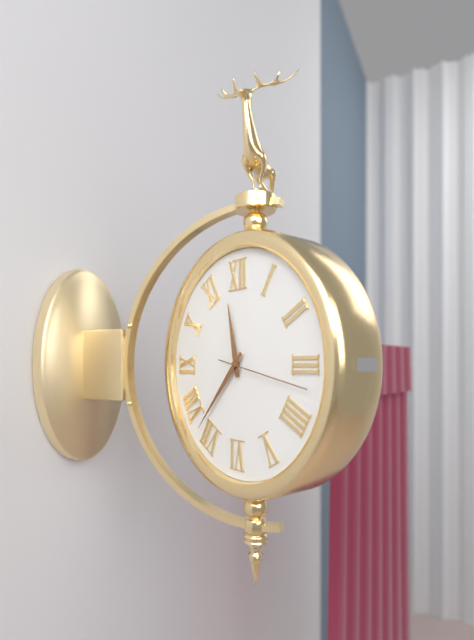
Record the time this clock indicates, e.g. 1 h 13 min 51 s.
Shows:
11 h 37 min 17 s
